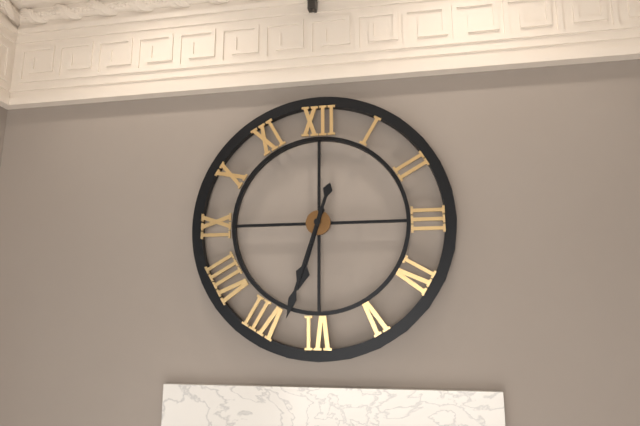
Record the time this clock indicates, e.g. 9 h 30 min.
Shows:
6 h 33 min
